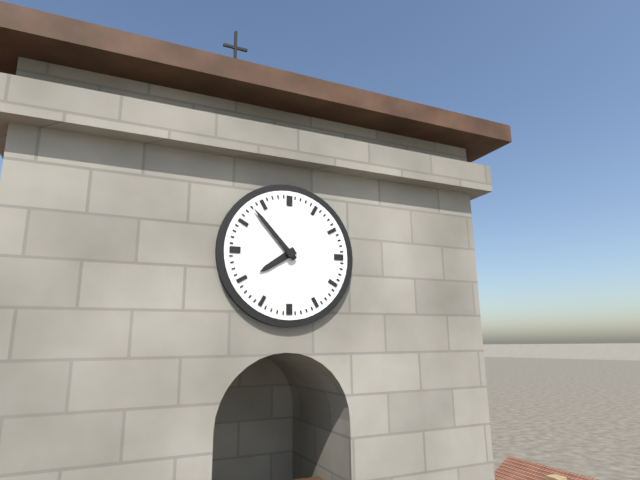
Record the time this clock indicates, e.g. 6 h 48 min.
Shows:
7 h 53 min
